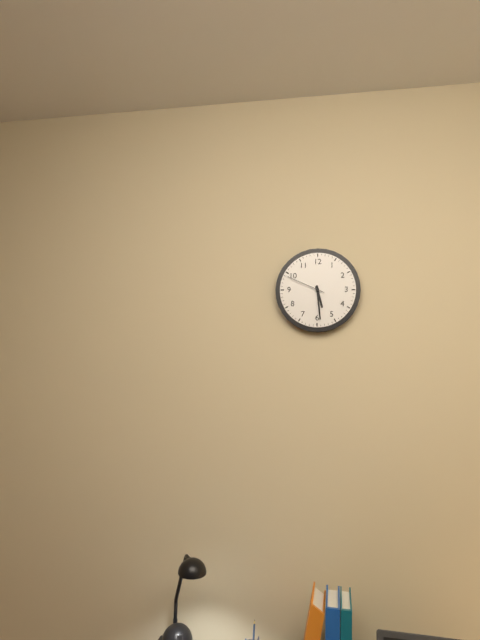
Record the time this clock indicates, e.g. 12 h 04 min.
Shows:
5 h 29 min
